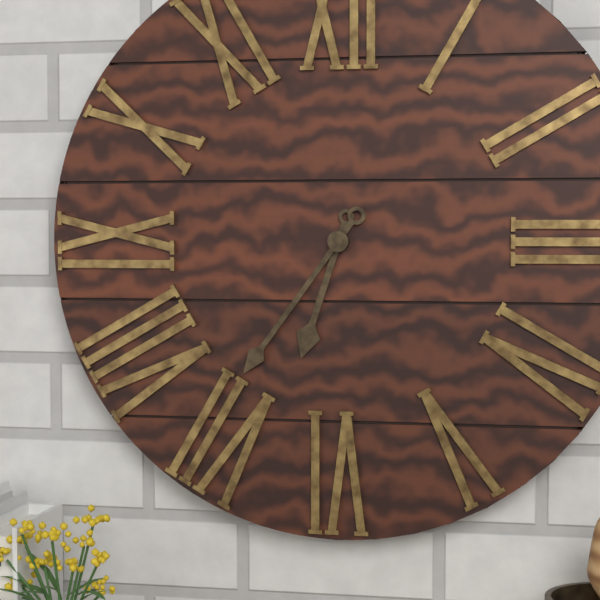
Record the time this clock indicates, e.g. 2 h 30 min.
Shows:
6 h 36 min
